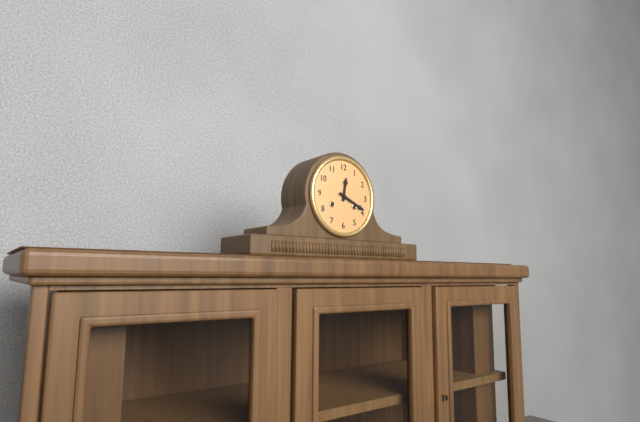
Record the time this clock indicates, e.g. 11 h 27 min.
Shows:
12 h 19 min
